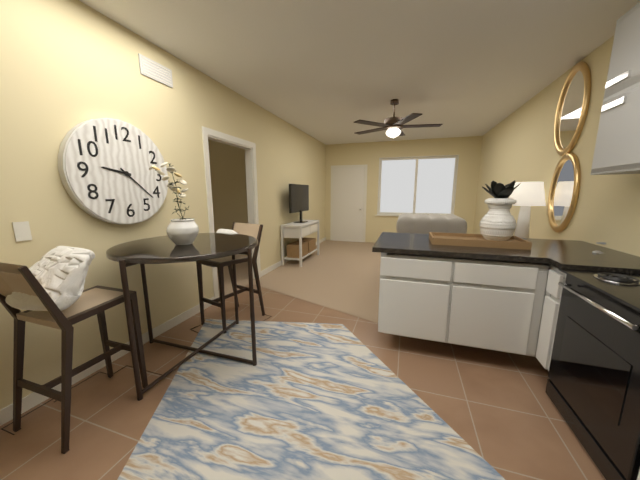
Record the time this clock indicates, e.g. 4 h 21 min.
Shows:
9 h 22 min
